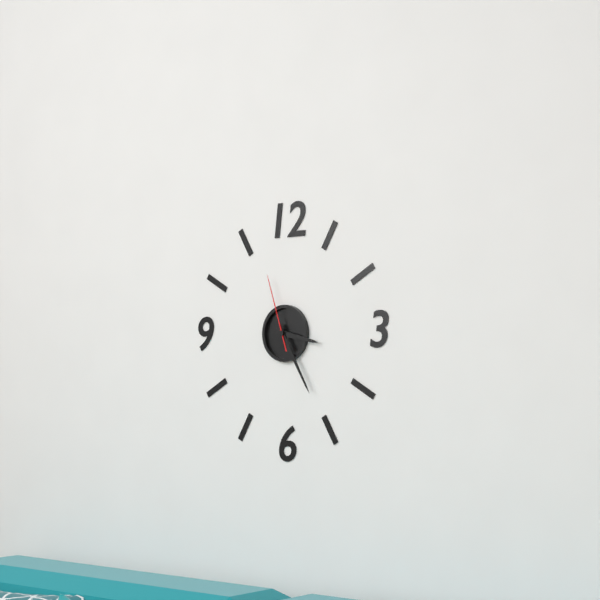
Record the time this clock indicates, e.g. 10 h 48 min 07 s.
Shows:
3 h 25 min 57 s
